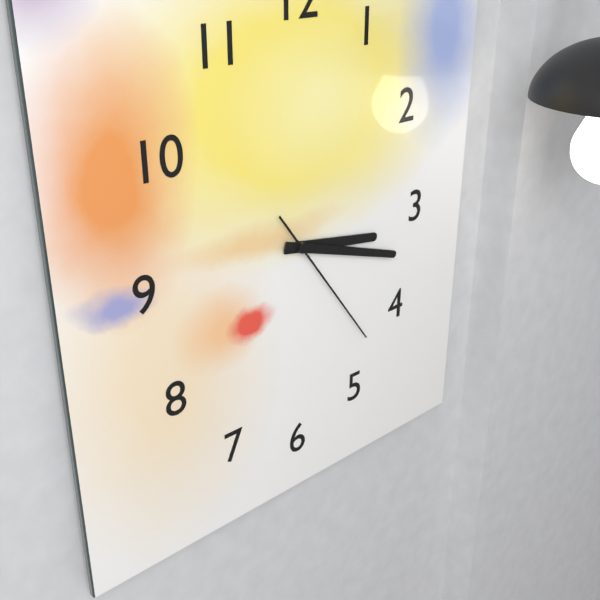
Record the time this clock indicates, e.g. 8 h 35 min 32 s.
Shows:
3 h 18 min 24 s
